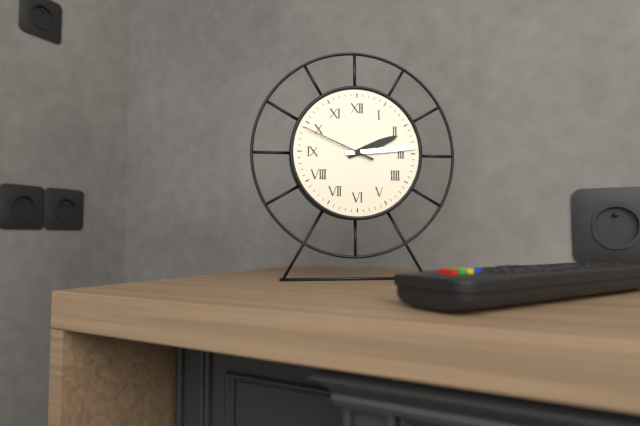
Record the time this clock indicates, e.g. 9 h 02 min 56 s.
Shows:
2 h 14 min 49 s
